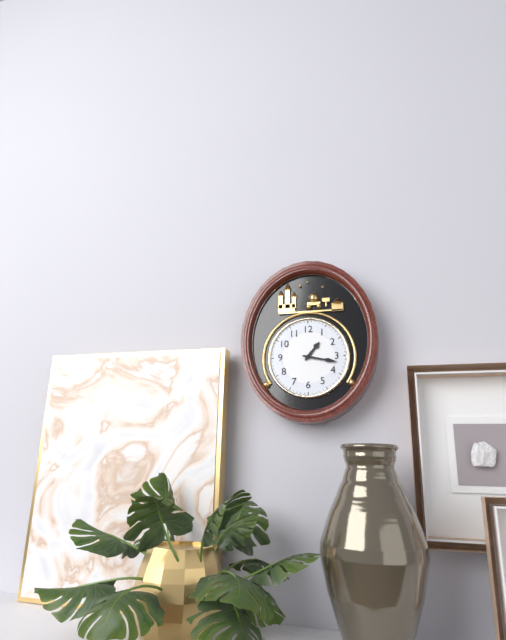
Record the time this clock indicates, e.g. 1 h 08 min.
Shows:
1 h 17 min
